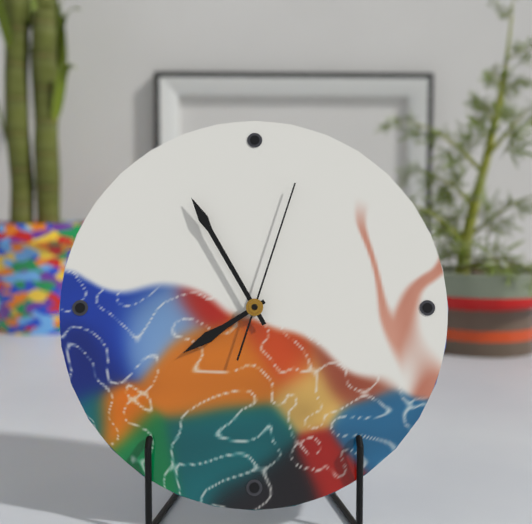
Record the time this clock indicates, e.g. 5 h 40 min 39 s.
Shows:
7 h 55 min 03 s
